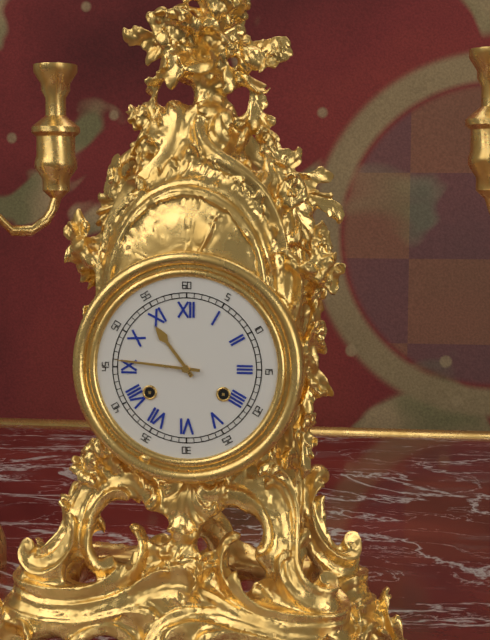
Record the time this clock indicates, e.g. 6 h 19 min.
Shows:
10 h 46 min
